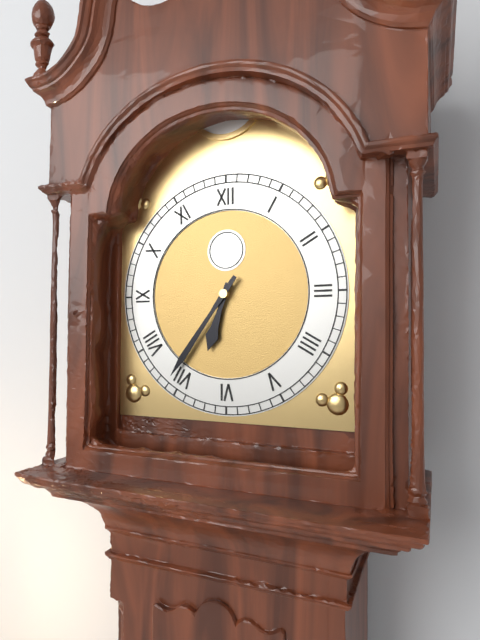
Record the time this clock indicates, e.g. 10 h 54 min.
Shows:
6 h 36 min
